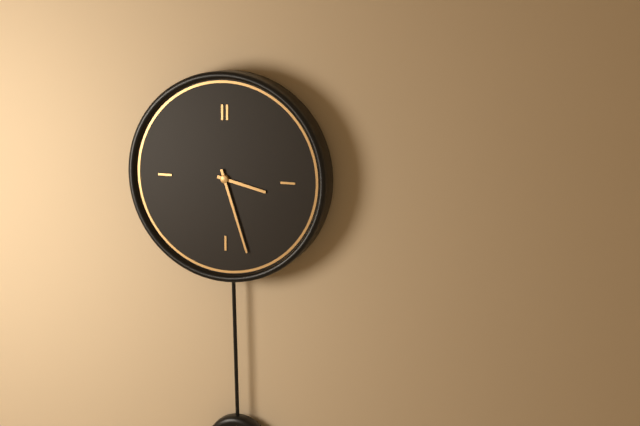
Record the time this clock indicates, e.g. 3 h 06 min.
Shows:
3 h 27 min
